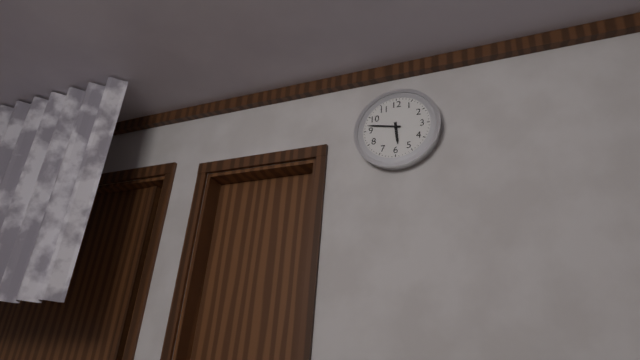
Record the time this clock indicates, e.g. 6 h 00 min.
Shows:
5 h 47 min
